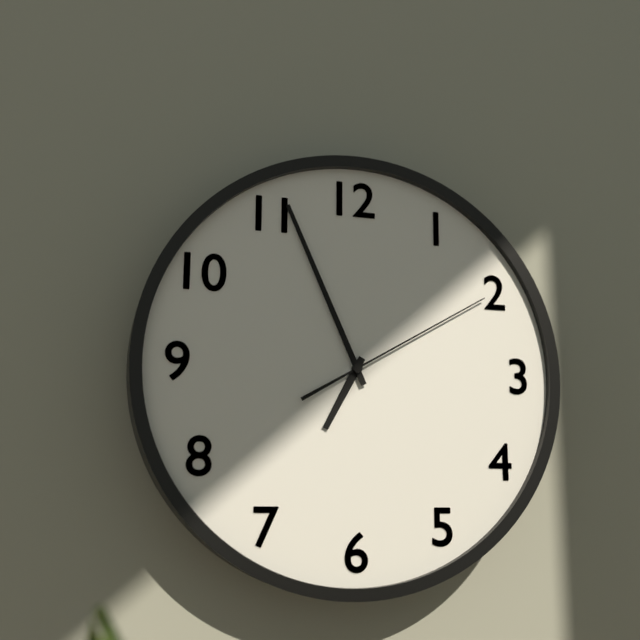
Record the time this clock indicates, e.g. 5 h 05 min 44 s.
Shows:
6 h 56 min 10 s
